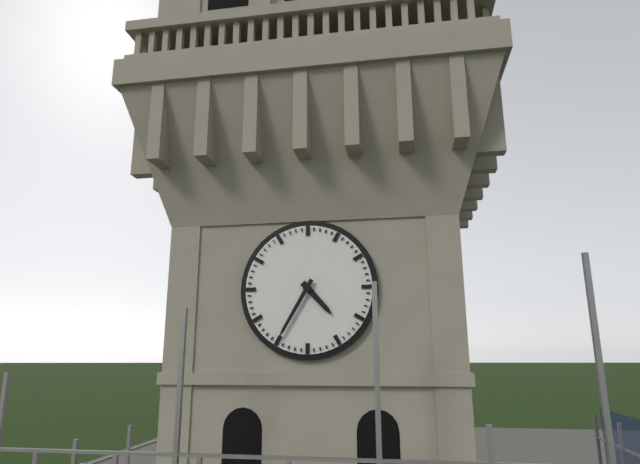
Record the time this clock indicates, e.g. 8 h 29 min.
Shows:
4 h 35 min
